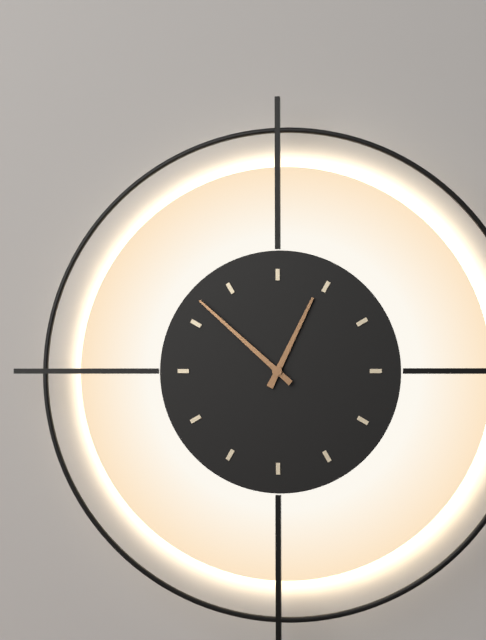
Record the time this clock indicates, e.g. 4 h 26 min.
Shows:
12 h 52 min
